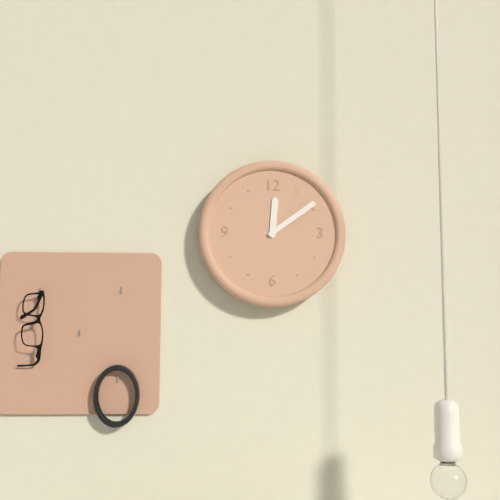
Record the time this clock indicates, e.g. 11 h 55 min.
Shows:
12 h 09 min
